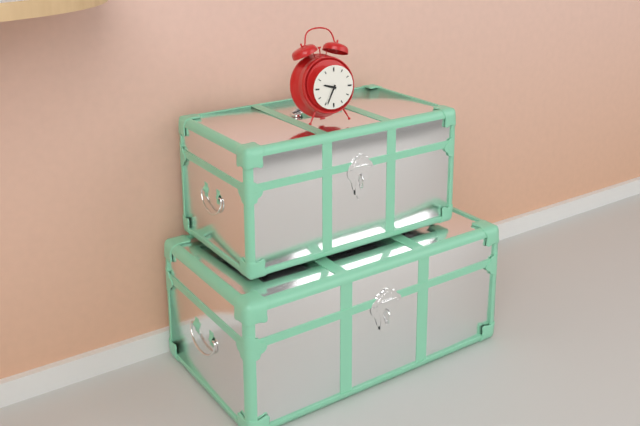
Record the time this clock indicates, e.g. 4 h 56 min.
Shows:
9 h 34 min
